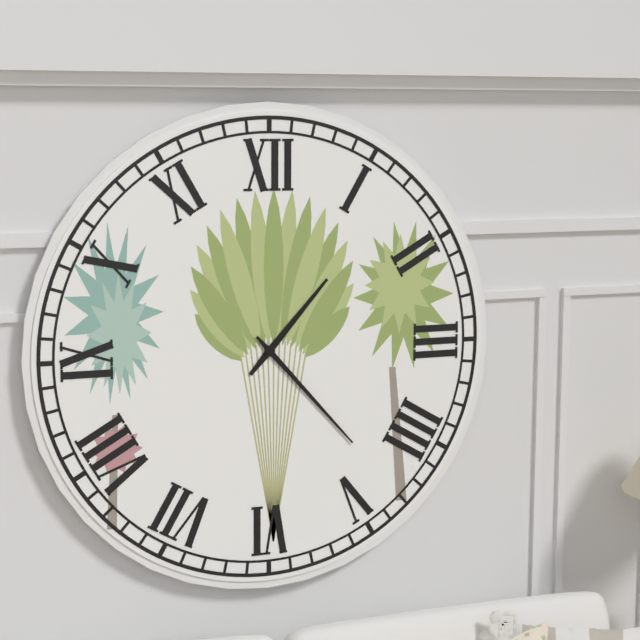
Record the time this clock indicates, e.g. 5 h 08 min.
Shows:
1 h 23 min
